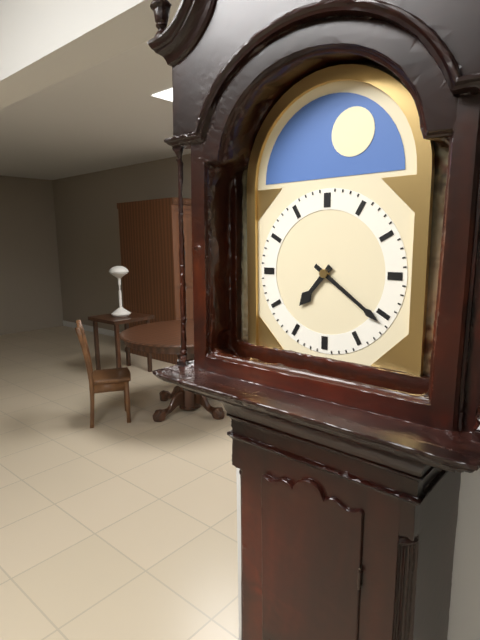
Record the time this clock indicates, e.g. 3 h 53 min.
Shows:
7 h 21 min
